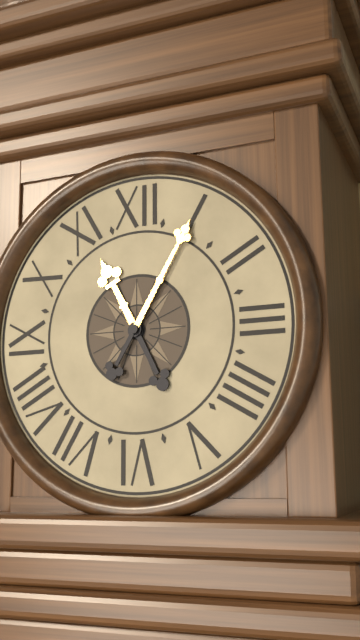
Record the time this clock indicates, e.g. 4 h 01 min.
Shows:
11 h 05 min
